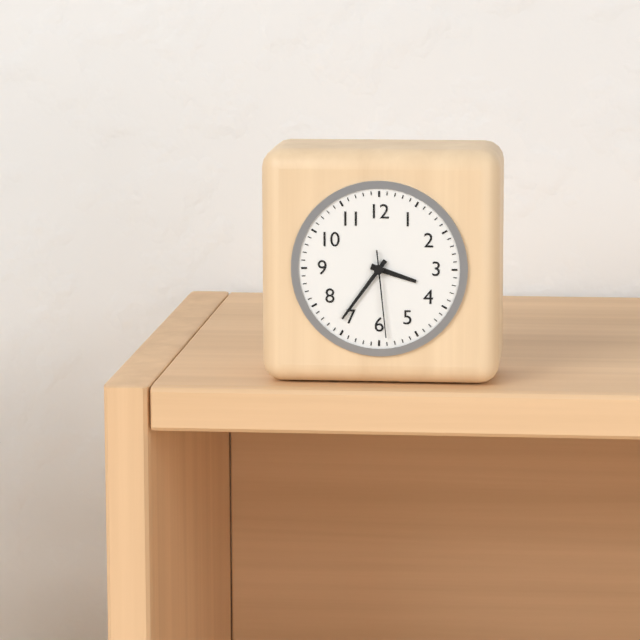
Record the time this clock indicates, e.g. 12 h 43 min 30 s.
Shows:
3 h 36 min 29 s
